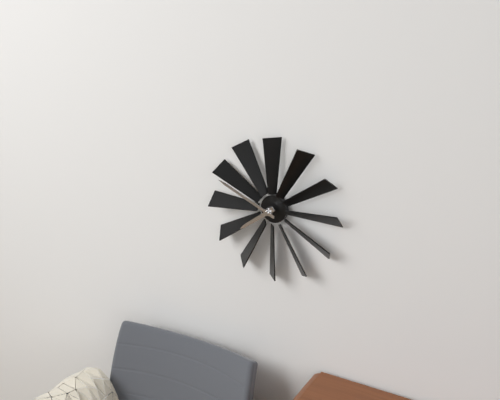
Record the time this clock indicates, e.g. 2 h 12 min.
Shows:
7 h 49 min
